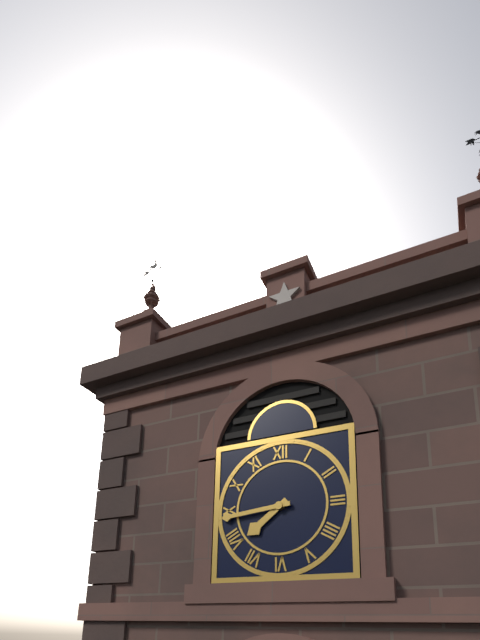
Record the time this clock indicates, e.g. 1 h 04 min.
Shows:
7 h 44 min
